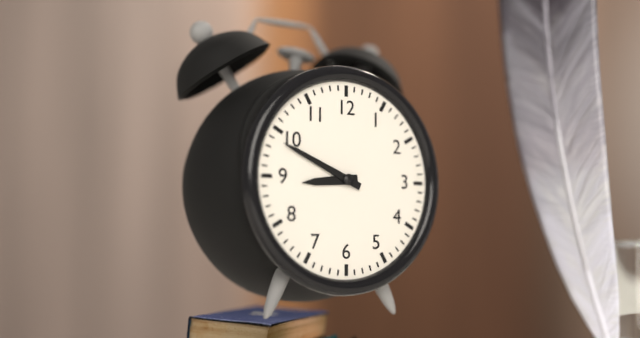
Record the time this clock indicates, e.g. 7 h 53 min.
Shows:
8 h 49 min
